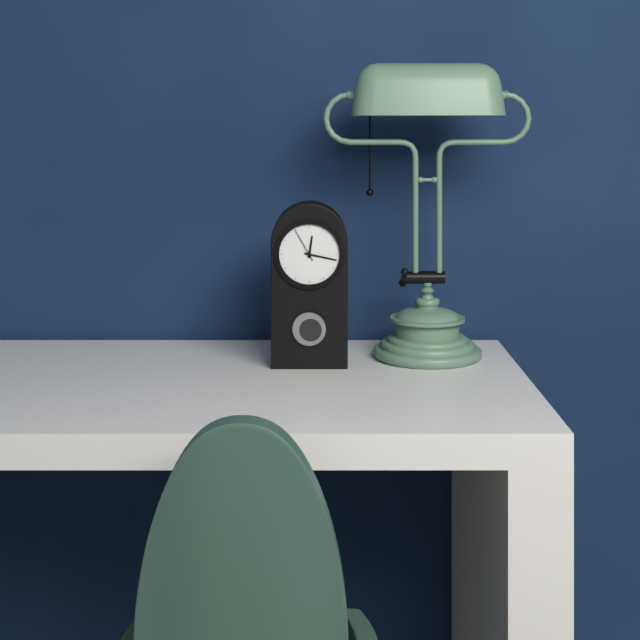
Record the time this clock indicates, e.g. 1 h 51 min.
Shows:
12 h 17 min
